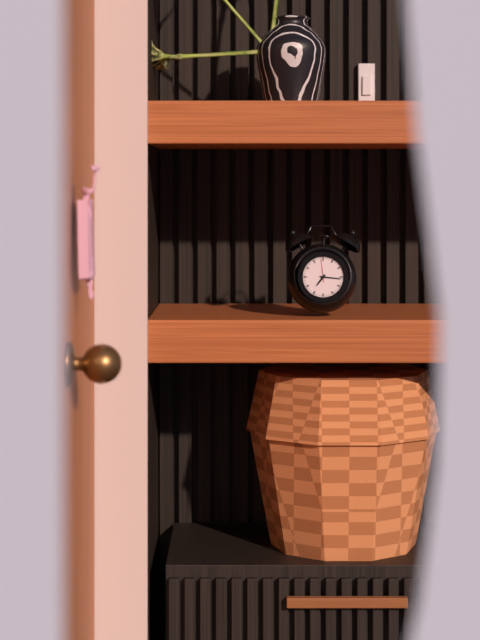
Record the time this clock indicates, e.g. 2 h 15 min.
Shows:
7 h 16 min
